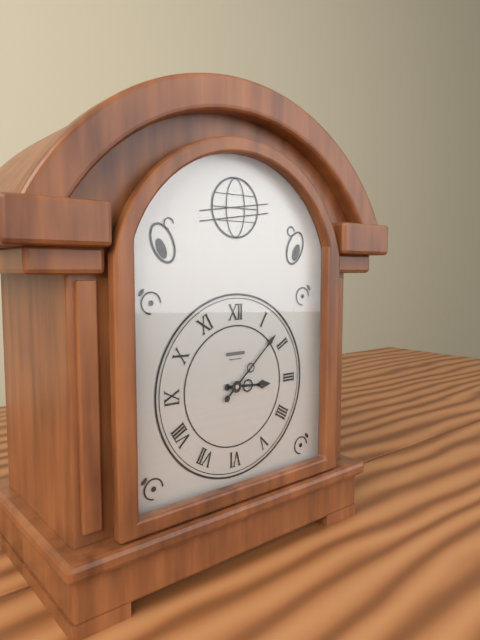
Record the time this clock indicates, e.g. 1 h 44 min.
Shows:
3 h 08 min
